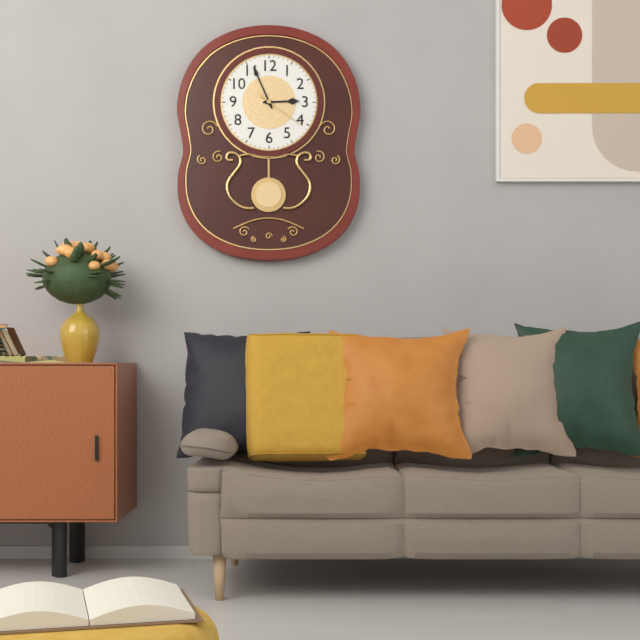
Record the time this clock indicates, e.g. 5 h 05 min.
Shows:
2 h 56 min
